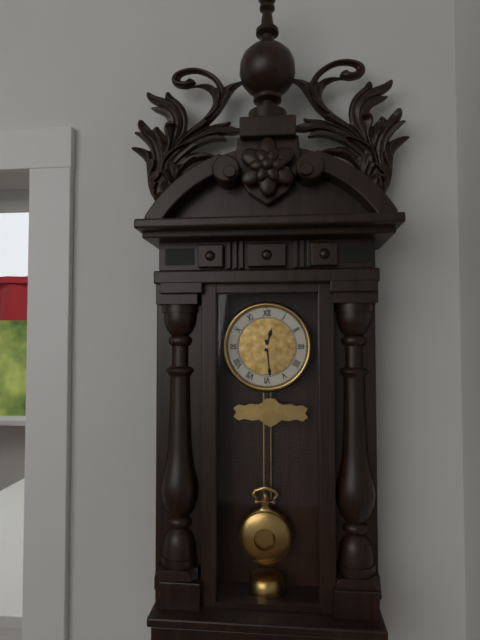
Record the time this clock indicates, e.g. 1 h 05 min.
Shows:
12 h 29 min
